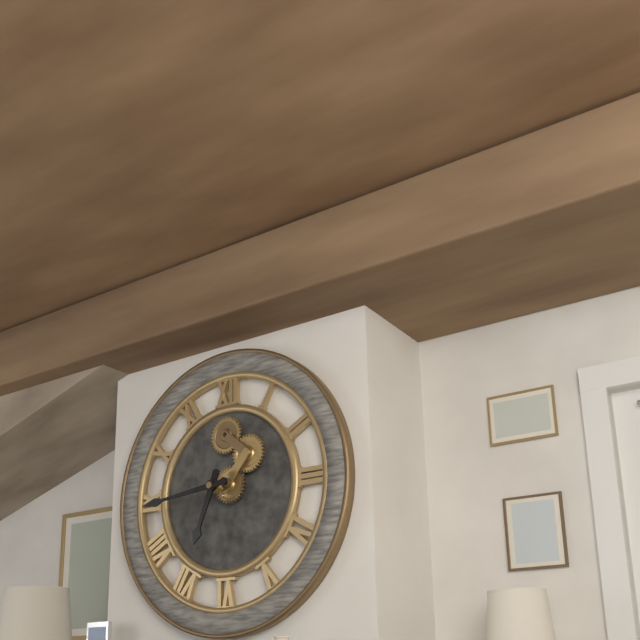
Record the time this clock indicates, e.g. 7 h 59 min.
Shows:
6 h 44 min
